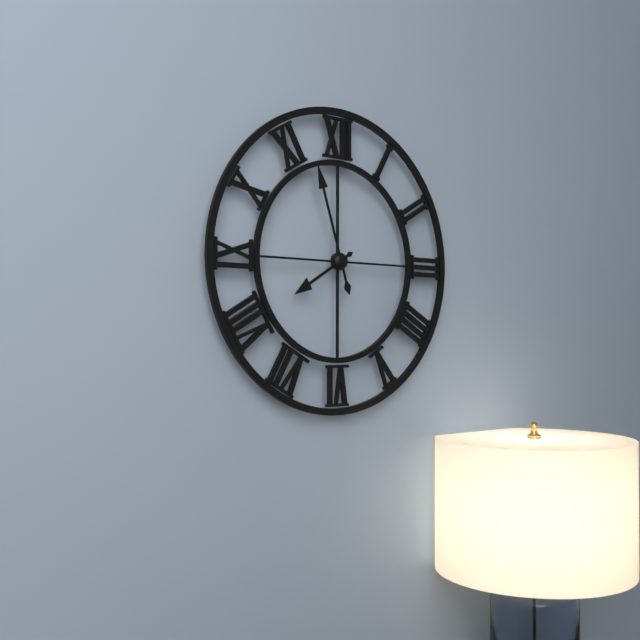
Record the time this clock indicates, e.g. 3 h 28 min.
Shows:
7 h 57 min
